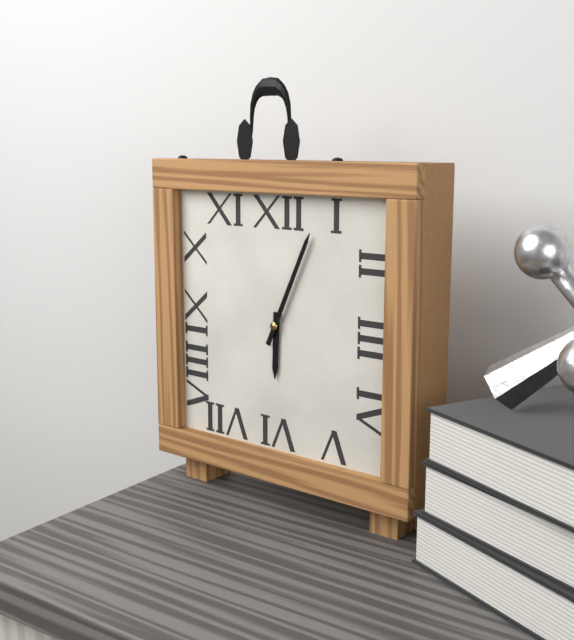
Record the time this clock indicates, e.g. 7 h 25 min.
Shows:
6 h 04 min
